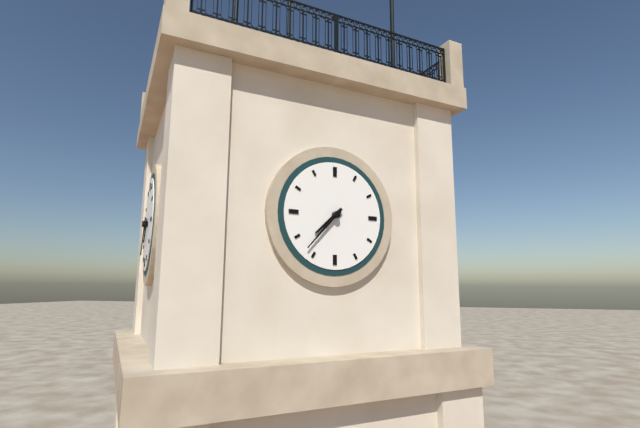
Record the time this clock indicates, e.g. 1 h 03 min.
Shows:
7 h 37 min
